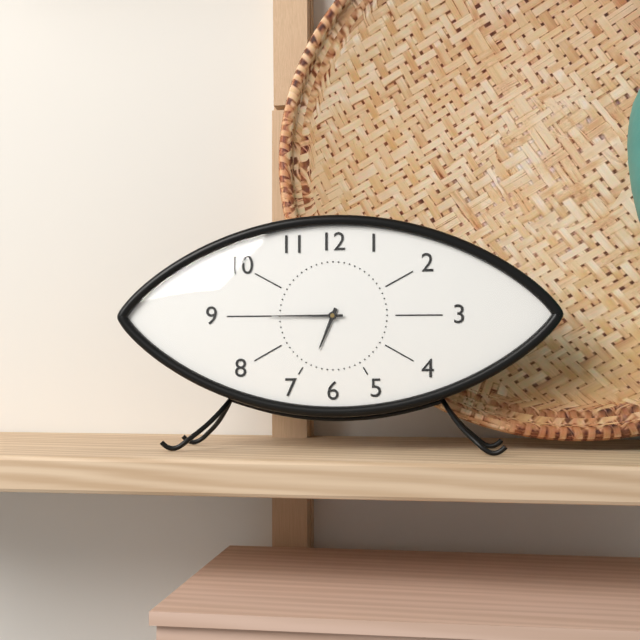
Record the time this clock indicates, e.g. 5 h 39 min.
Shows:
6 h 45 min
